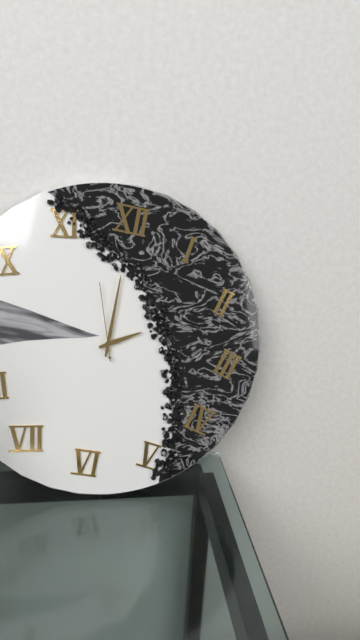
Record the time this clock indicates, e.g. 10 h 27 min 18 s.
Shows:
2 h 00 min 57 s
